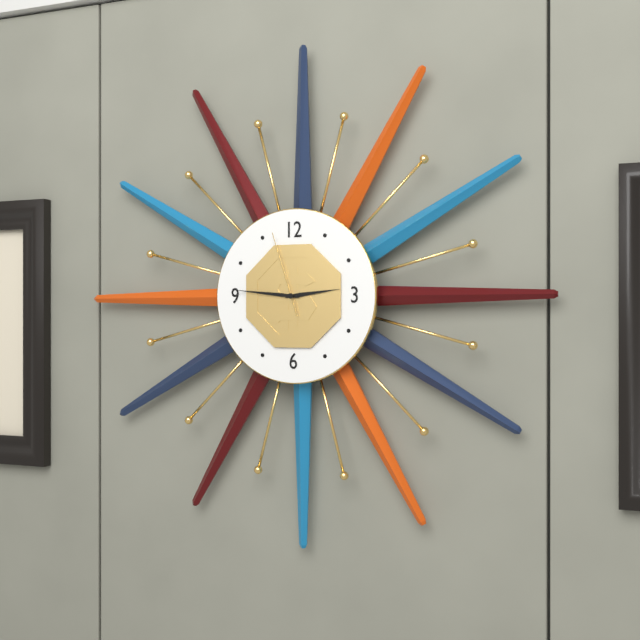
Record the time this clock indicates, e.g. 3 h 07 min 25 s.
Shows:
2 h 46 min 57 s
